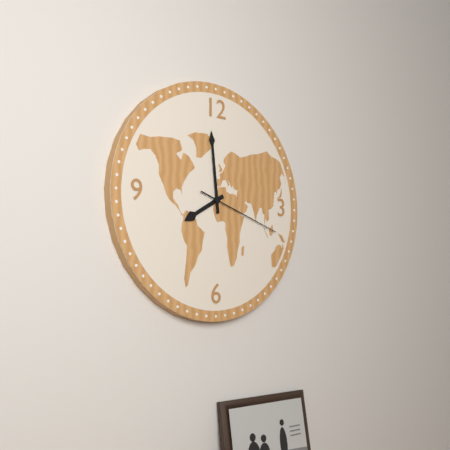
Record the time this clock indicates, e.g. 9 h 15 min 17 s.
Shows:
7 h 59 min 18 s
